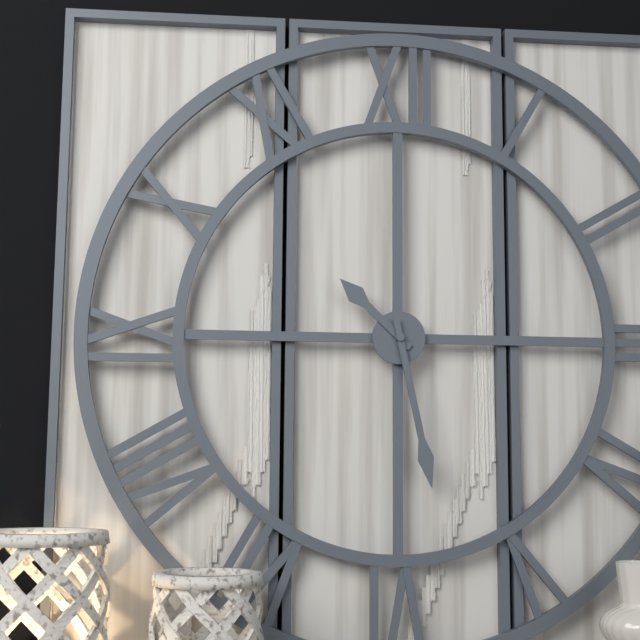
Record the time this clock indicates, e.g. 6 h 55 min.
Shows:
10 h 28 min
